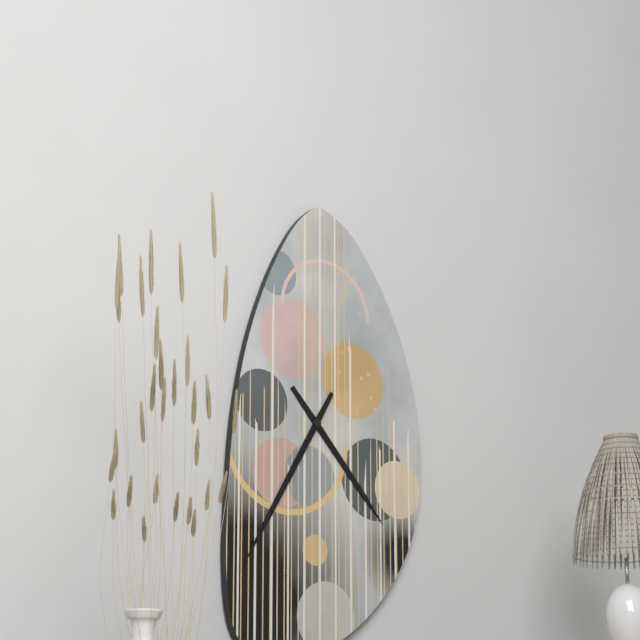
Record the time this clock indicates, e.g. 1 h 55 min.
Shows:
4 h 35 min
